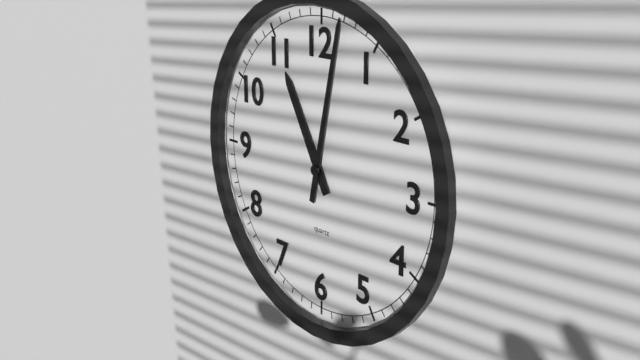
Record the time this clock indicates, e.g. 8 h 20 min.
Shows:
11 h 02 min
